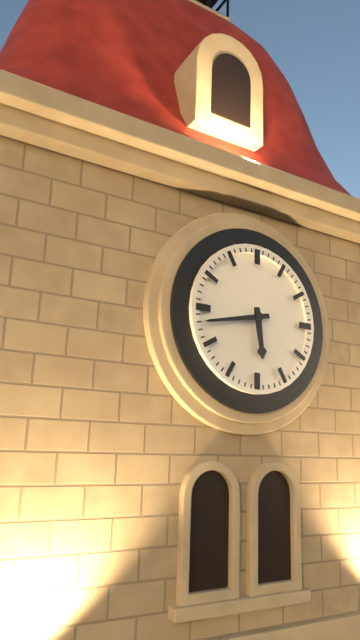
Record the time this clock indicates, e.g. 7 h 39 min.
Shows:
5 h 43 min
